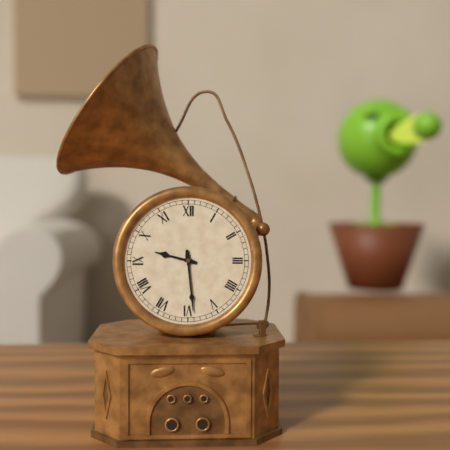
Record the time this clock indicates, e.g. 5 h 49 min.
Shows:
9 h 29 min
